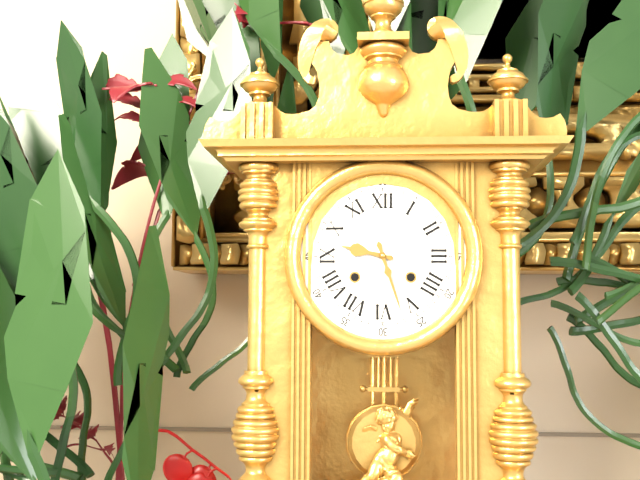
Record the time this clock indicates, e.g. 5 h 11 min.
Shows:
9 h 27 min
